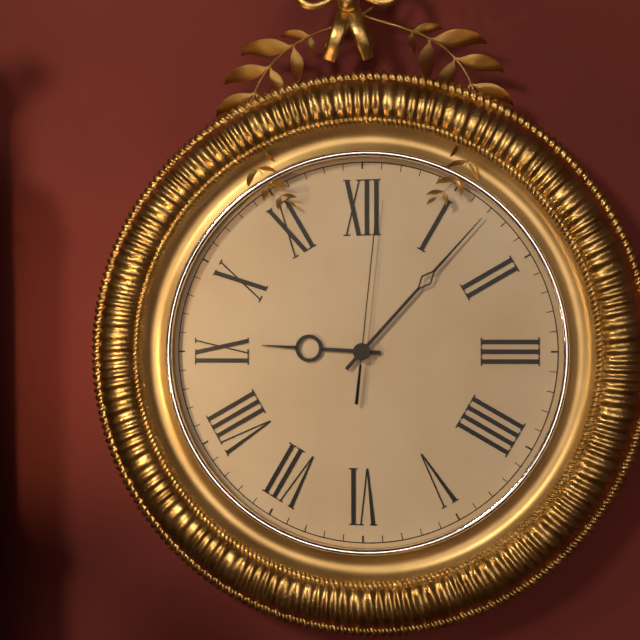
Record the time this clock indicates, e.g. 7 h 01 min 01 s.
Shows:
9 h 07 min 01 s
